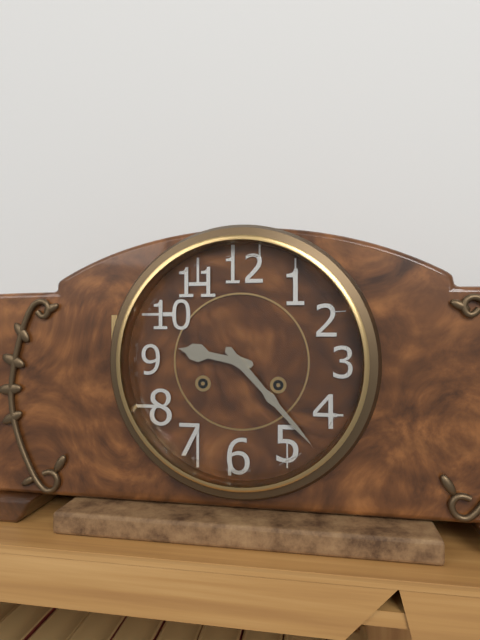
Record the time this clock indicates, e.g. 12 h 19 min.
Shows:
9 h 23 min
